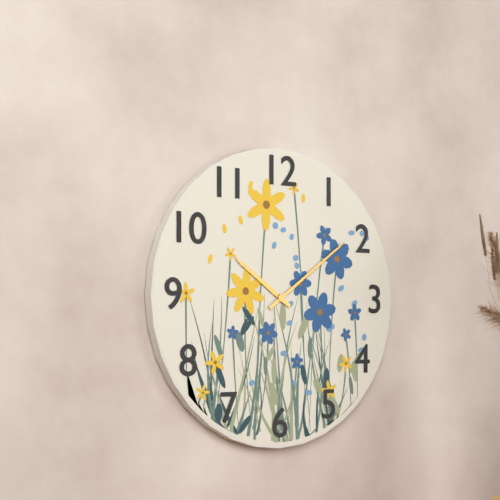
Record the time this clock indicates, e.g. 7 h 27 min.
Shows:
10 h 09 min
